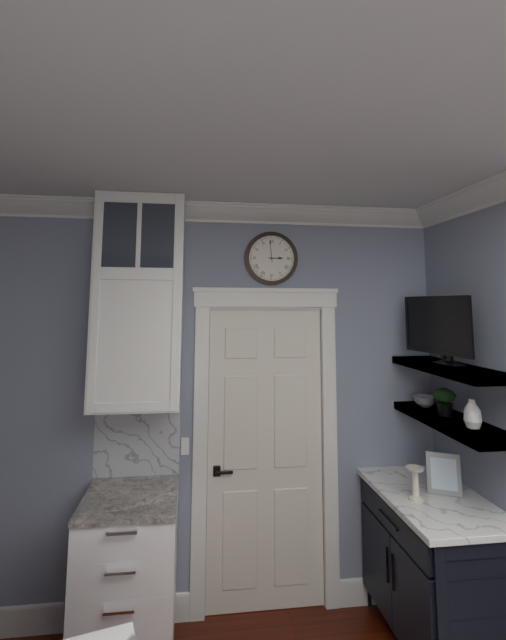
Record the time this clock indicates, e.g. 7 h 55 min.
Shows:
2 h 59 min
